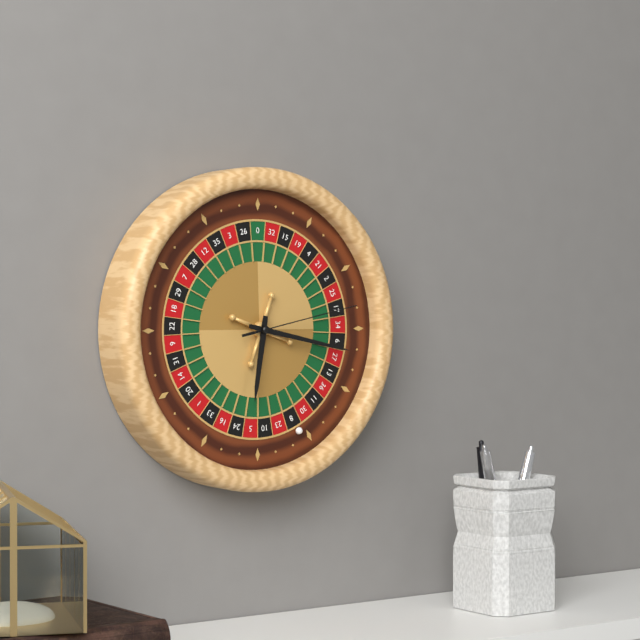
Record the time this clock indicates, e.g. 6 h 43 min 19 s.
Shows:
6 h 17 min 13 s
